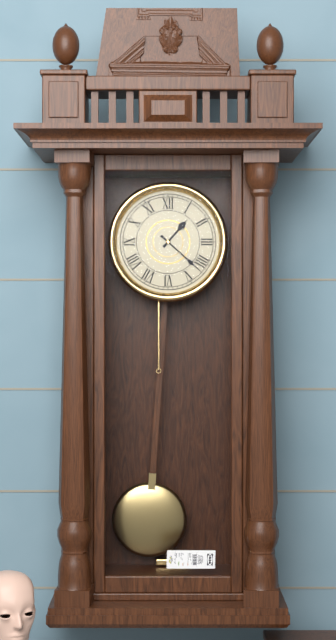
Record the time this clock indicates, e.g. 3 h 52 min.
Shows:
1 h 22 min
